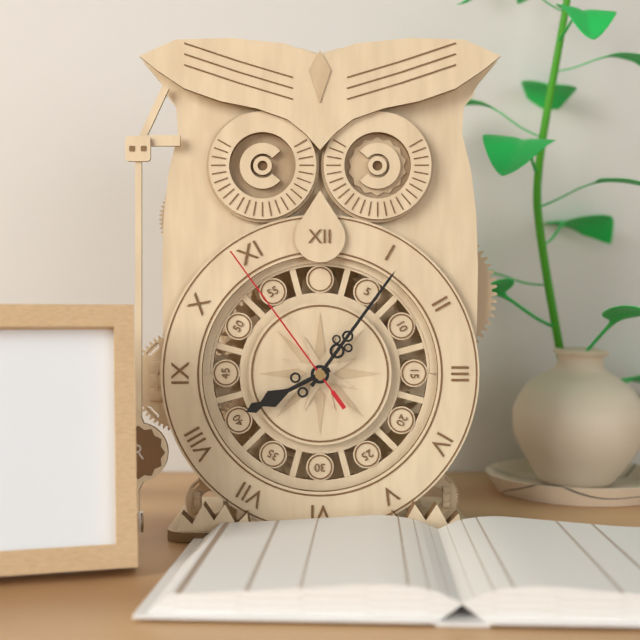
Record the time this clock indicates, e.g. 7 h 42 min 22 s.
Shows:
8 h 06 min 54 s
